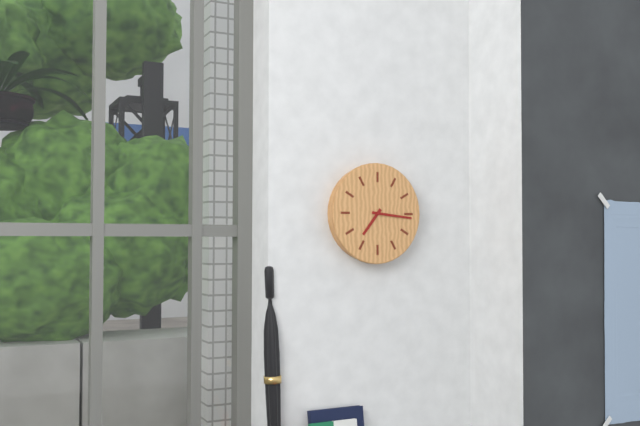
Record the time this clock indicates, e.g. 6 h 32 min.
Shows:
7 h 16 min
